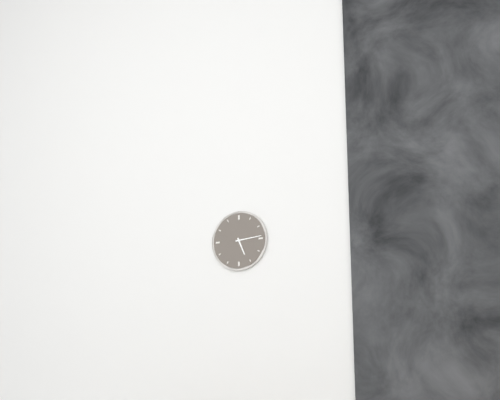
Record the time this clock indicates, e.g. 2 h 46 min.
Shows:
5 h 14 min
